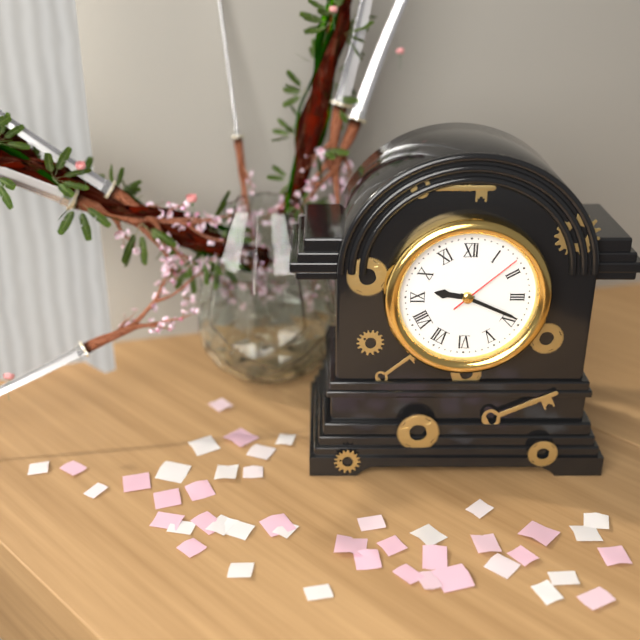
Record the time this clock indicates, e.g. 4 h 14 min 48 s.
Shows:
9 h 19 min 08 s
